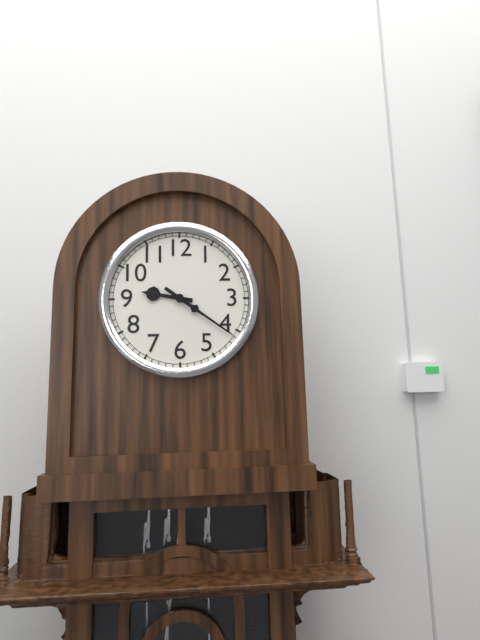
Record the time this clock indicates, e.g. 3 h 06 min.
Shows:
9 h 21 min
